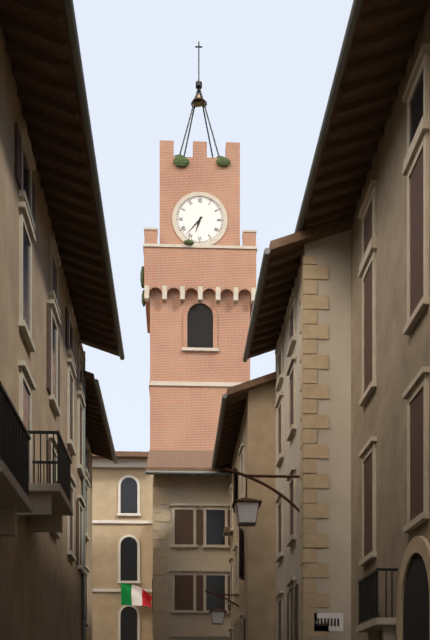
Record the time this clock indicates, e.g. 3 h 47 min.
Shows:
6 h 37 min
